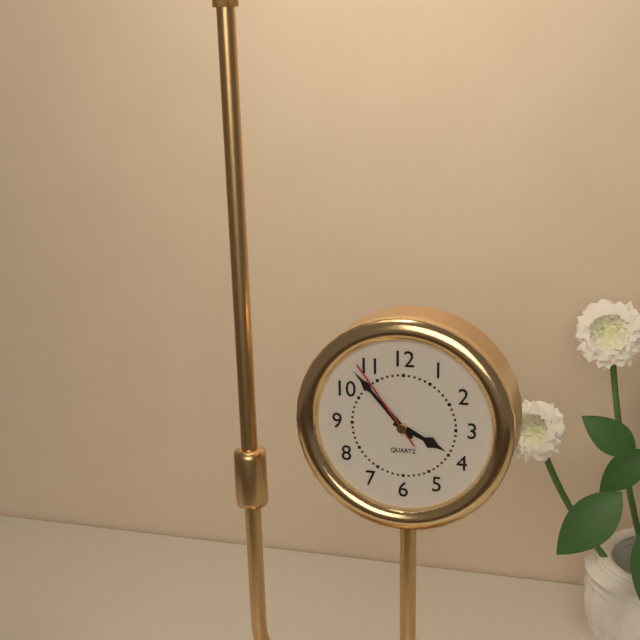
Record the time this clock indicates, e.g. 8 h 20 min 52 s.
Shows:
3 h 53 min 54 s
